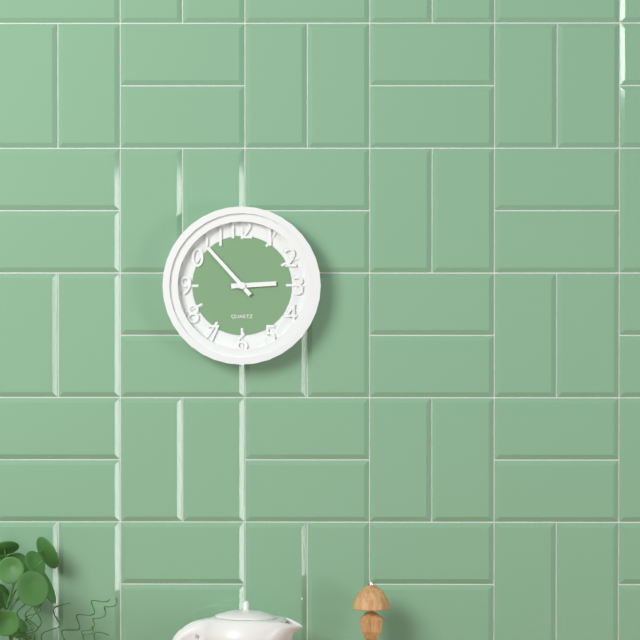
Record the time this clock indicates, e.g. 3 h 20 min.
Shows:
2 h 53 min
